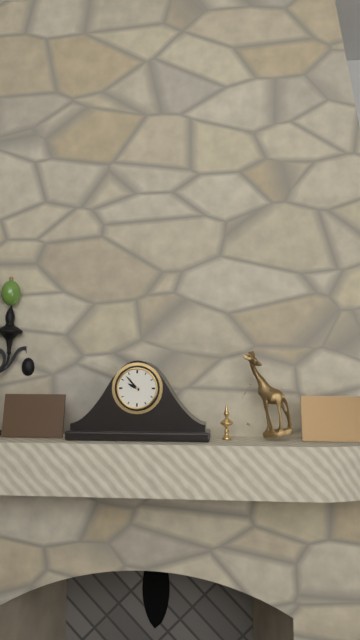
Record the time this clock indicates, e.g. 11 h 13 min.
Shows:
9 h 53 min
